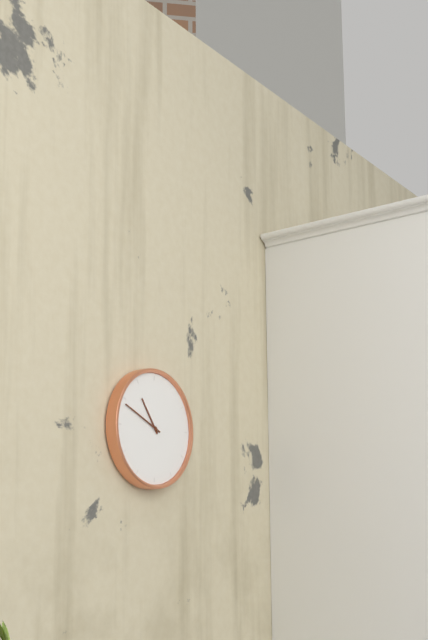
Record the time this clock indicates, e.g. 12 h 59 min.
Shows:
10 h 49 min
